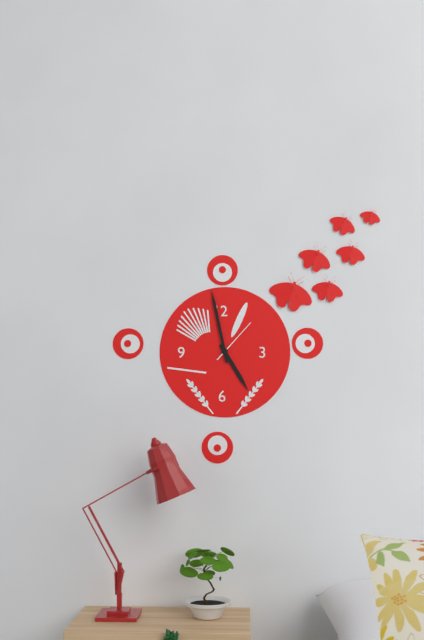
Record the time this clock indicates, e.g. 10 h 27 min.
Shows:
4 h 58 min
